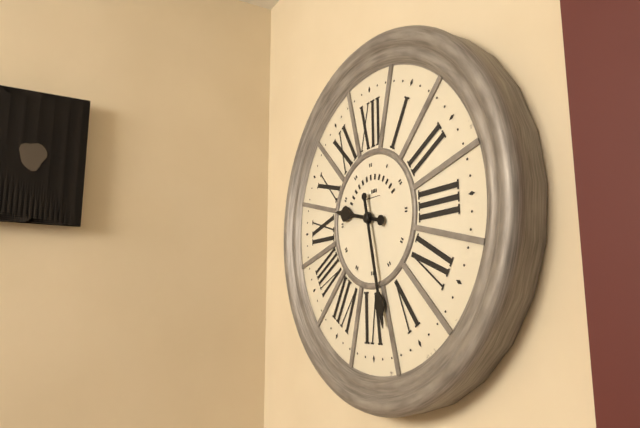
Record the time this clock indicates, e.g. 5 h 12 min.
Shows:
9 h 28 min
